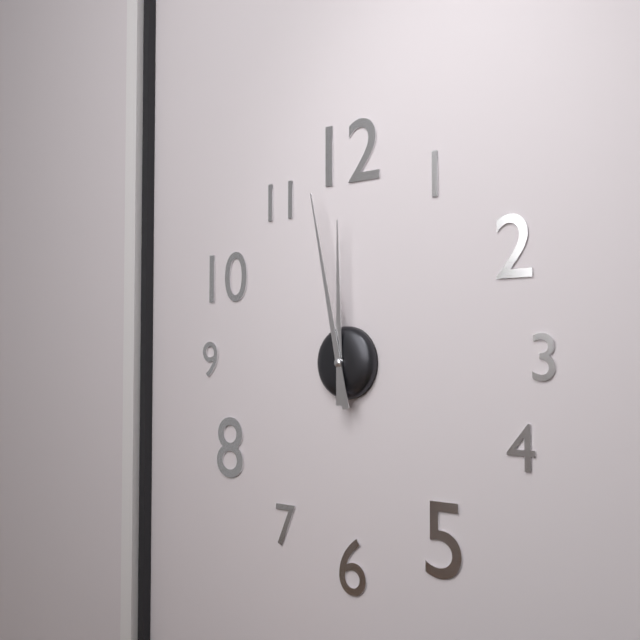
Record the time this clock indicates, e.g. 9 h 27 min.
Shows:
11 h 58 min
